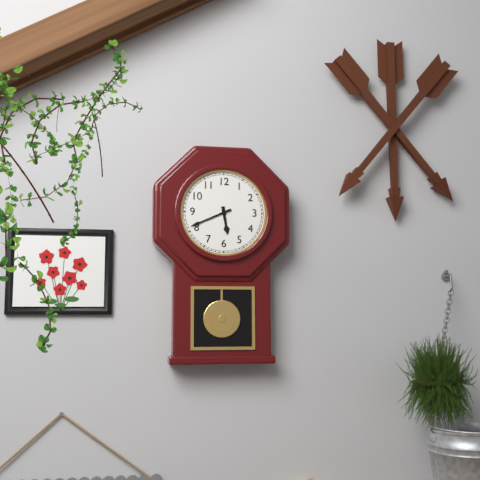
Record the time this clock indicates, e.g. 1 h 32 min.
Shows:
5 h 41 min
